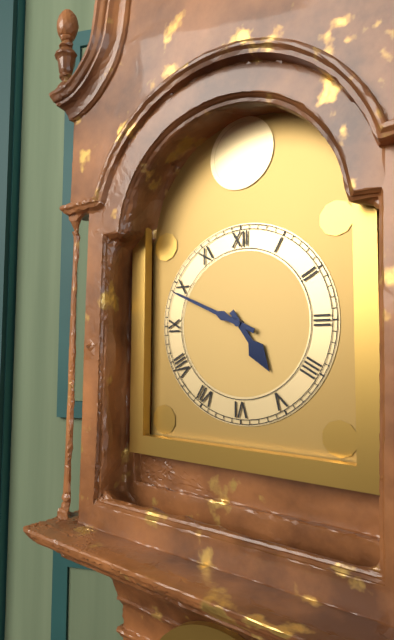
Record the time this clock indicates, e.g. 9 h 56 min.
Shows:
4 h 49 min
